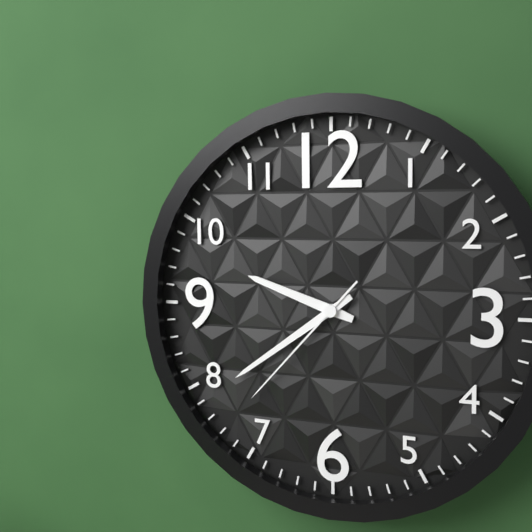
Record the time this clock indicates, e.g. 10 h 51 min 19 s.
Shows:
9 h 39 min 37 s
